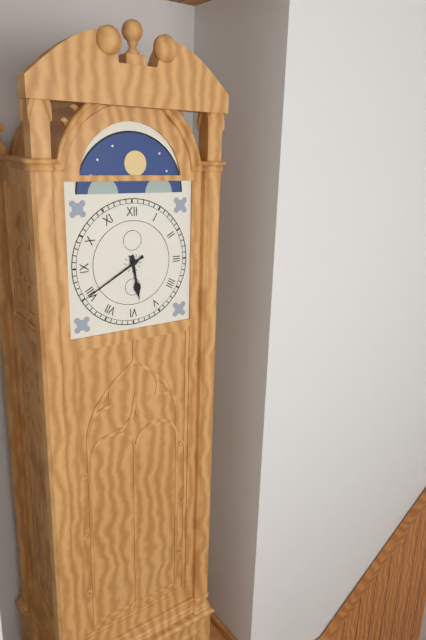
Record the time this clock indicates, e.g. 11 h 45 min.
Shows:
5 h 40 min
